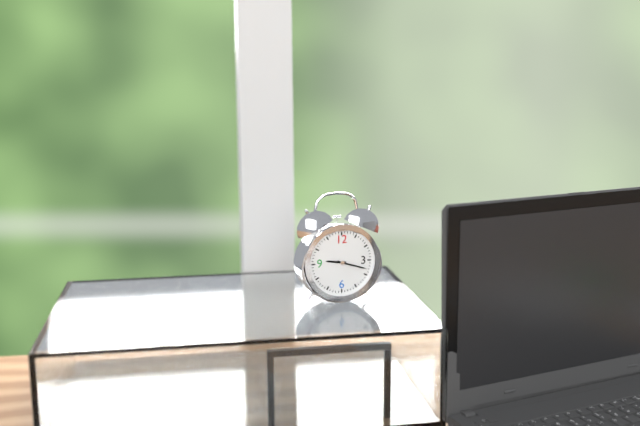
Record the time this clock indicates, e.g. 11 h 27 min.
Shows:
9 h 18 min
